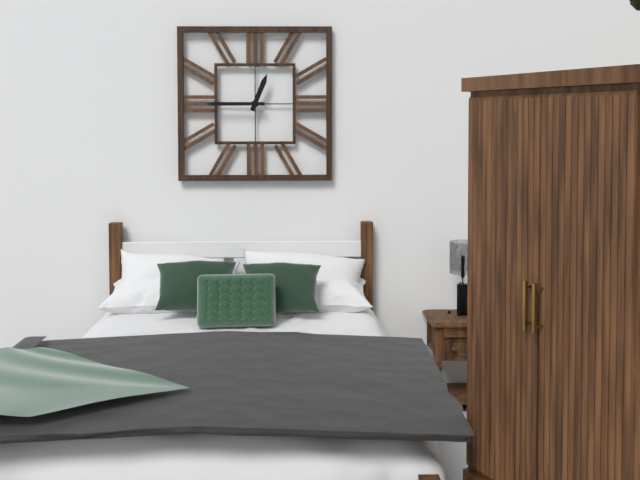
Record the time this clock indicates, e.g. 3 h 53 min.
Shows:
12 h 45 min
